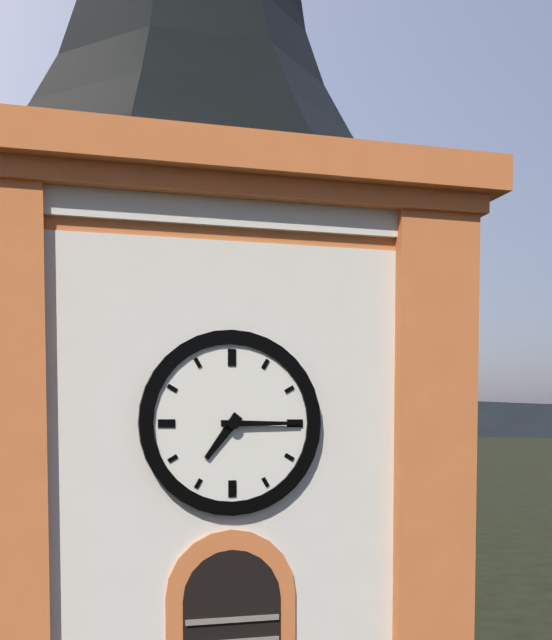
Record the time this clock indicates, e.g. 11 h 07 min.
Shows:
7 h 15 min
